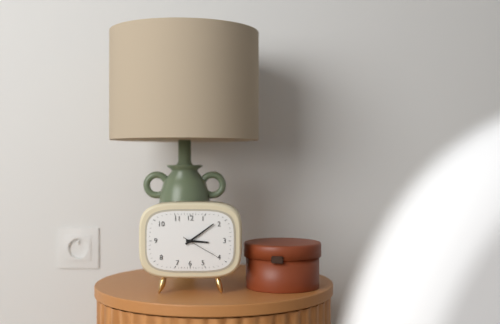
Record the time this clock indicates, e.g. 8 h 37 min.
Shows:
3 h 09 min
